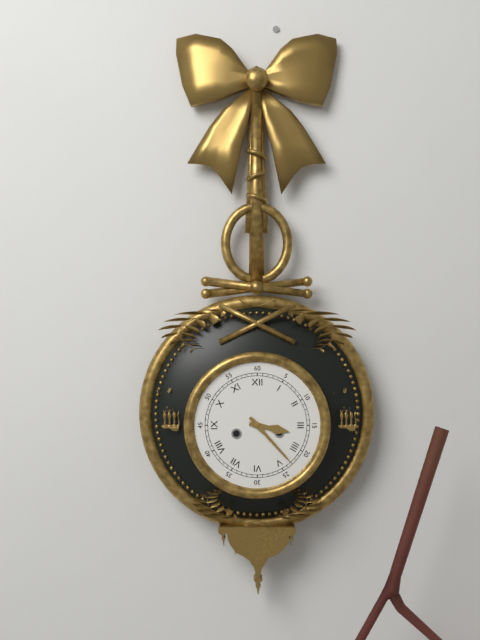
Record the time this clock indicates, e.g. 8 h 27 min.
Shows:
3 h 23 min
